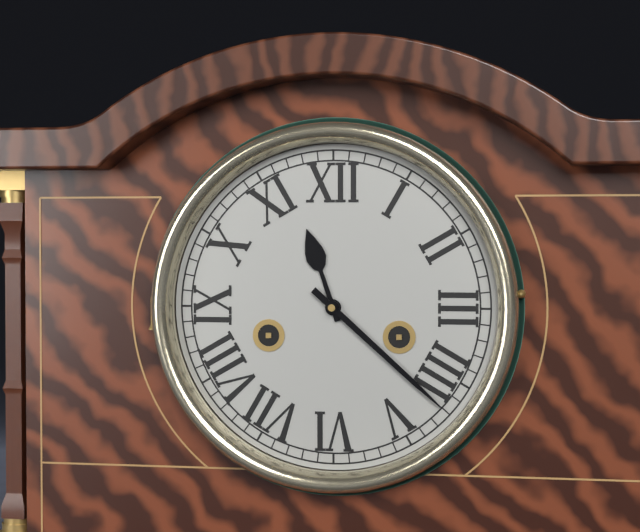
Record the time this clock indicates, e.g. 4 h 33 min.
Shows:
11 h 22 min
